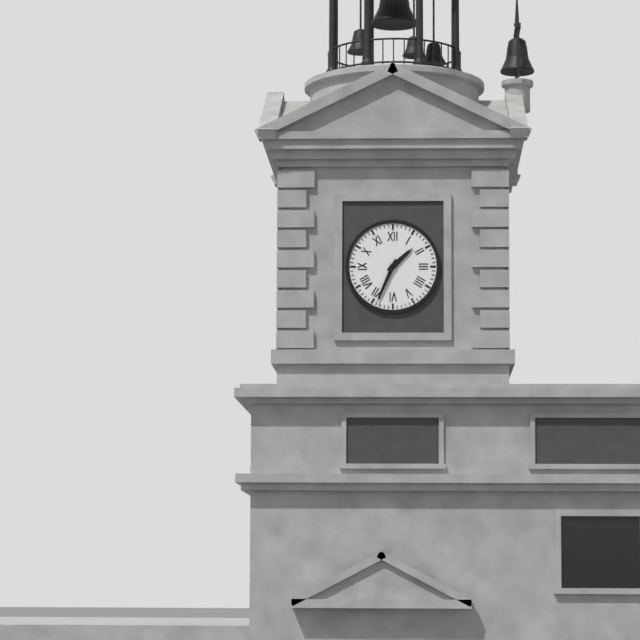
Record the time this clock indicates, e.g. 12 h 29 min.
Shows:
1 h 34 min
